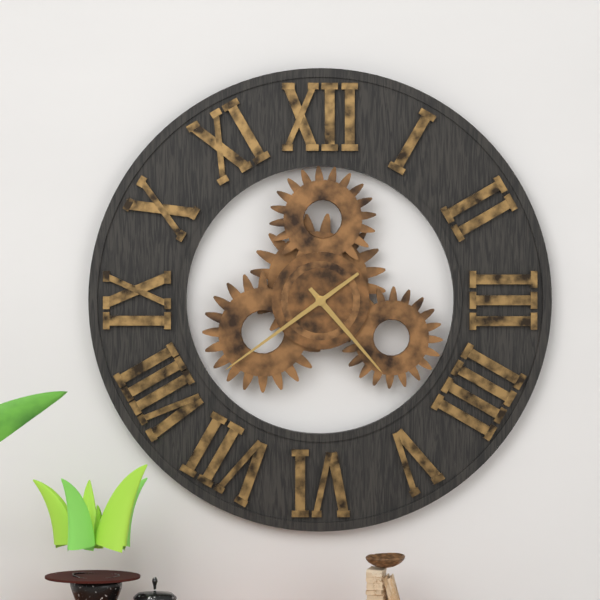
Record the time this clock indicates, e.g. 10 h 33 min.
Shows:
4 h 39 min
